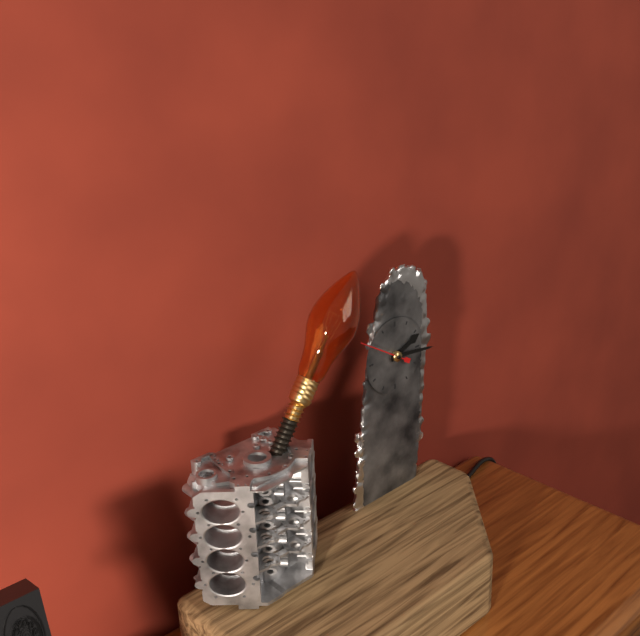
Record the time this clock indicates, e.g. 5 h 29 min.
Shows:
2 h 16 min
